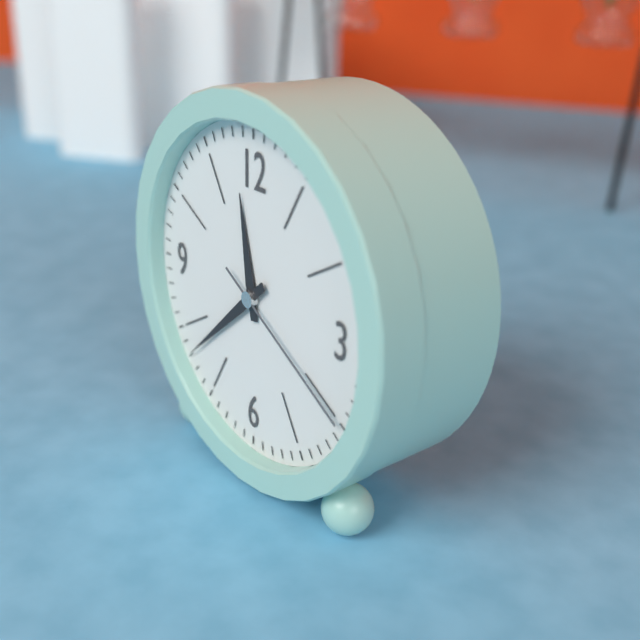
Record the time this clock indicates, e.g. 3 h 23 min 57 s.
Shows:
11 h 38 min 20 s
